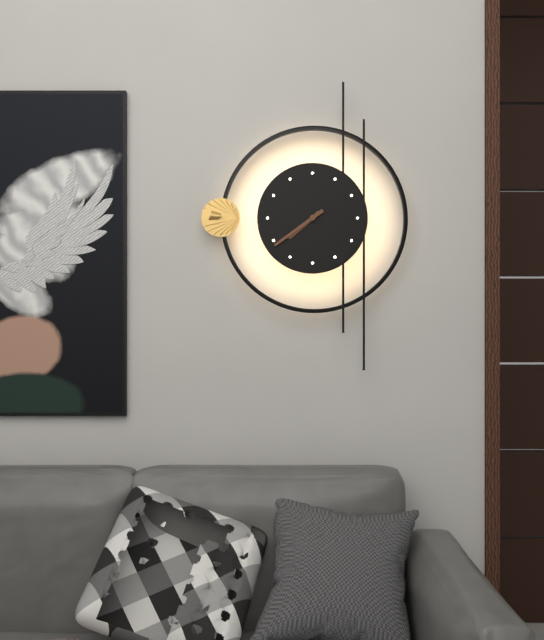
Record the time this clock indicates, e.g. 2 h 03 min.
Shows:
7 h 39 min
